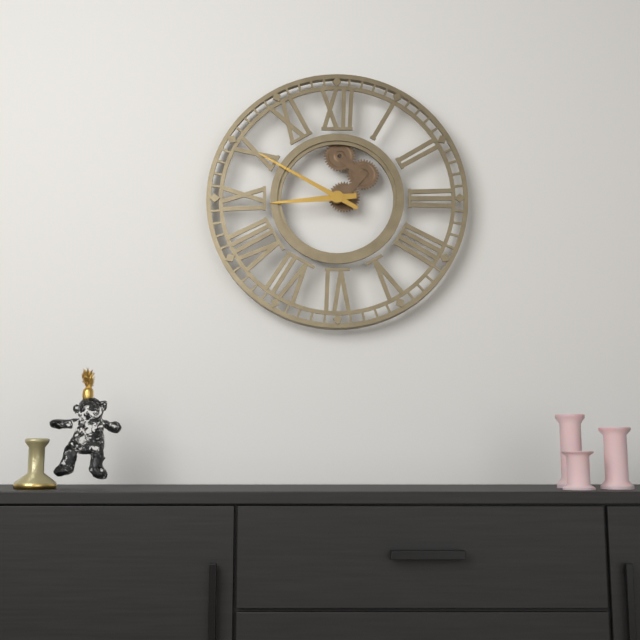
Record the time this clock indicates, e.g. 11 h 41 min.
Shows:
8 h 50 min
